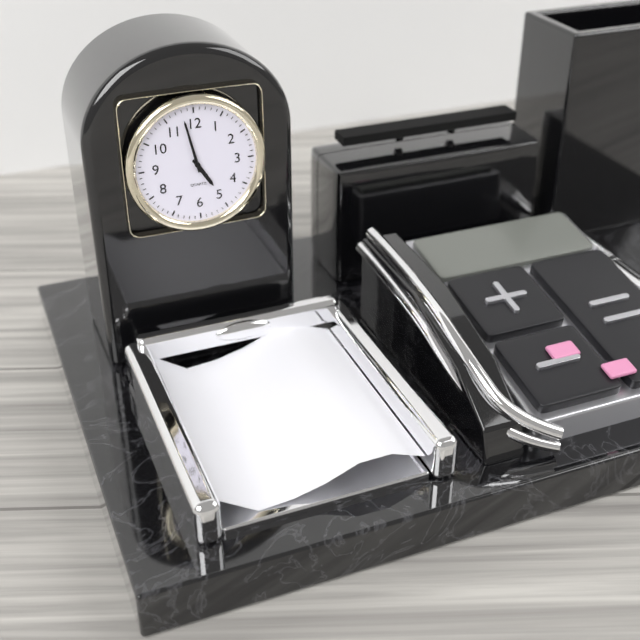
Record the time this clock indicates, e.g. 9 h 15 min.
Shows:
4 h 58 min
